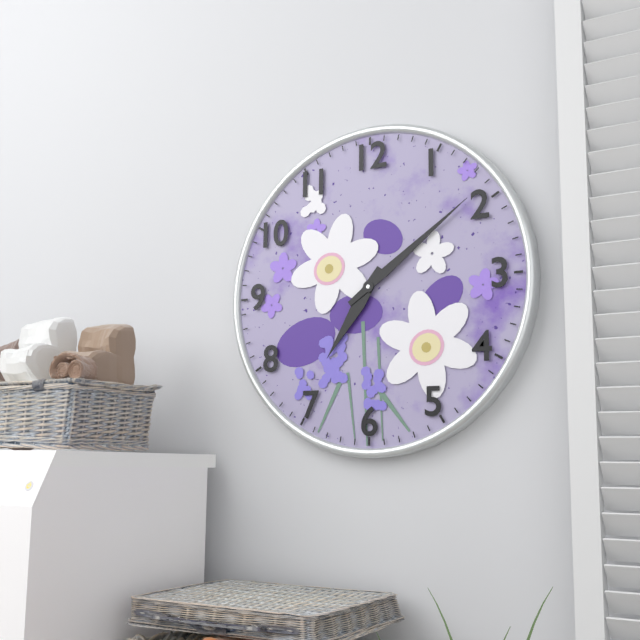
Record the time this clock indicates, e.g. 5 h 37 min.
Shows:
7 h 09 min
